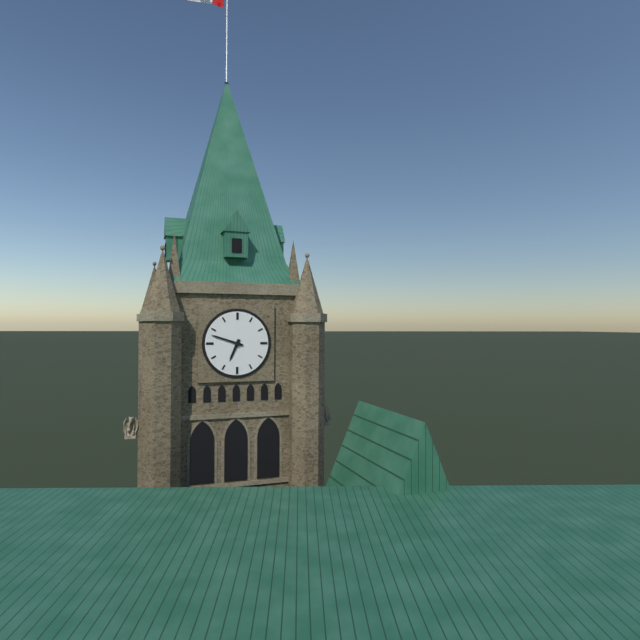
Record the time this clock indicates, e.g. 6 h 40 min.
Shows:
6 h 48 min
